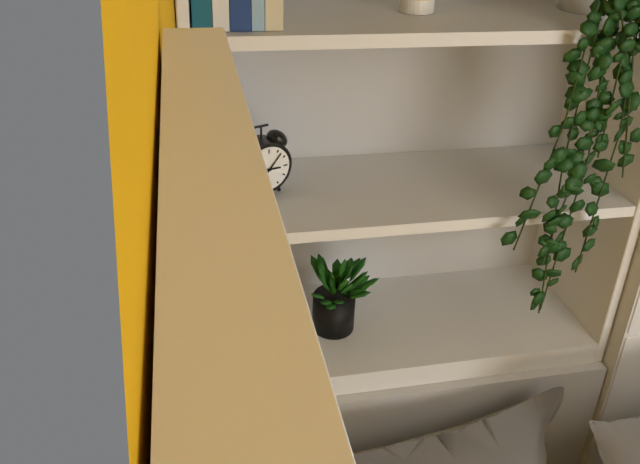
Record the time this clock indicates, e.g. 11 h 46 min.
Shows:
3 h 07 min
